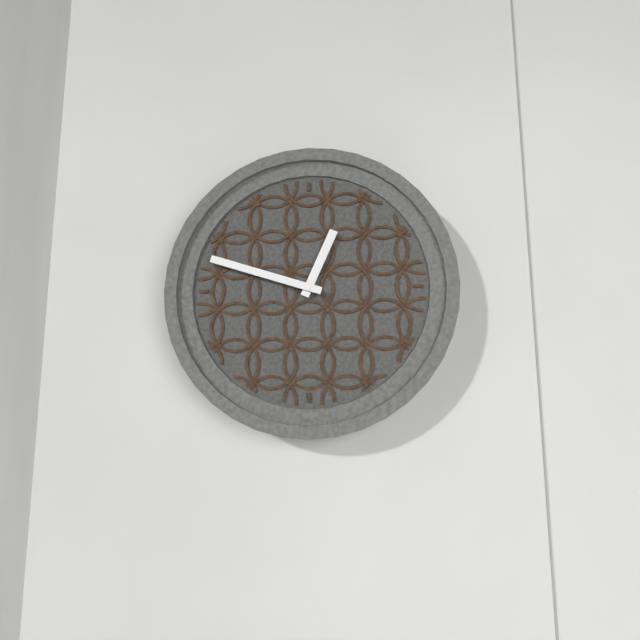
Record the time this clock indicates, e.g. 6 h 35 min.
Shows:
12 h 48 min
